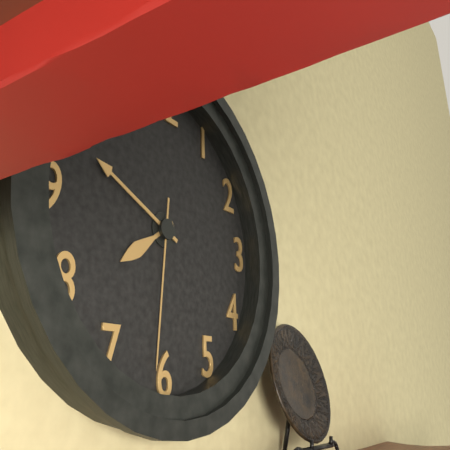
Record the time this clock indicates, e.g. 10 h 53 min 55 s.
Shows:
7 h 49 min 31 s
